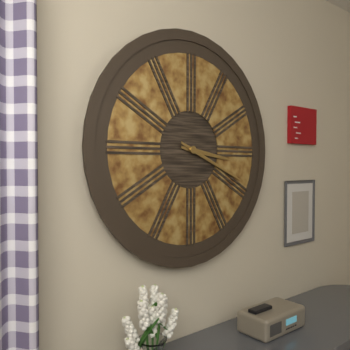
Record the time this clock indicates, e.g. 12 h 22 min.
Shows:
3 h 19 min
